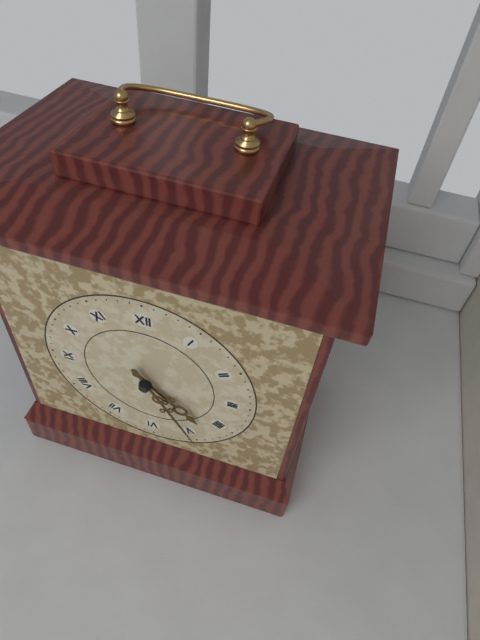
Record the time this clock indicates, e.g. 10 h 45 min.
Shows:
4 h 25 min
